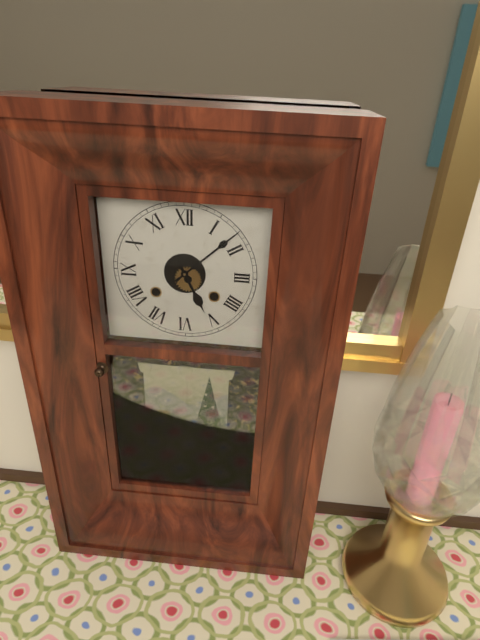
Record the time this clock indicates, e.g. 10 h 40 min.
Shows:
5 h 08 min
